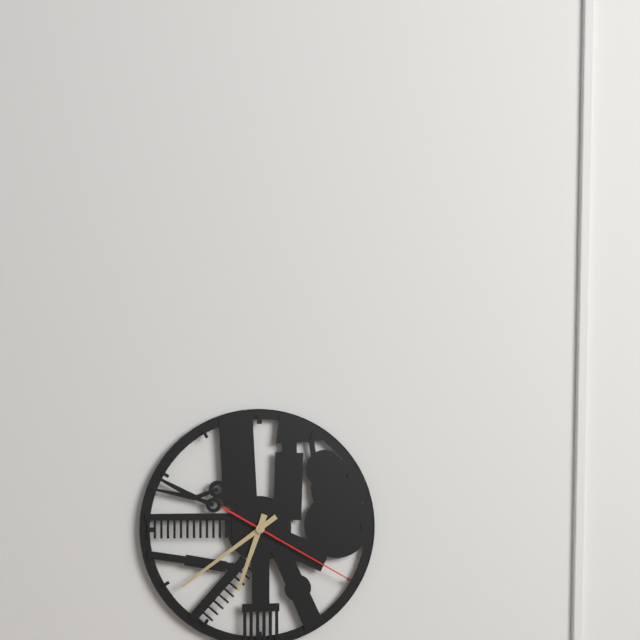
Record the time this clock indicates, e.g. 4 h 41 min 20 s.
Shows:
6 h 39 min 20 s
